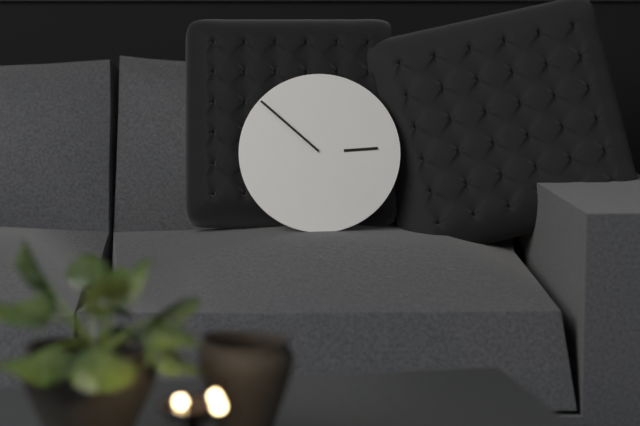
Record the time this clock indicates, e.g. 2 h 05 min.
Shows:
2 h 52 min
